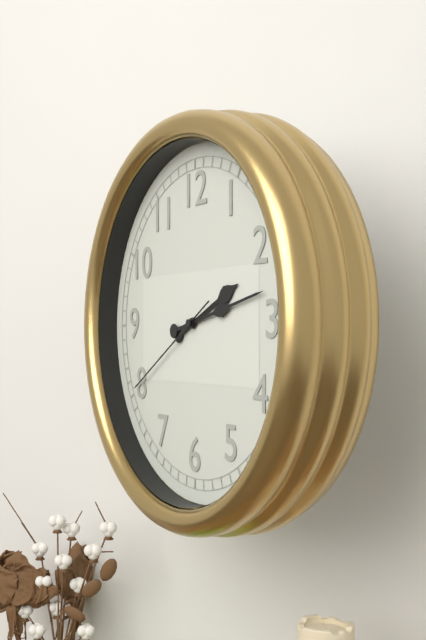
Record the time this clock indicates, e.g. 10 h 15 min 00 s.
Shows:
2 h 13 min 40 s
